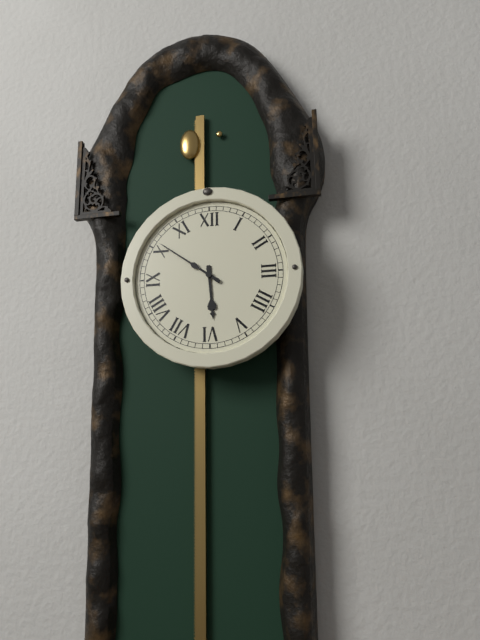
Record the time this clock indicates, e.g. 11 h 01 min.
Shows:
5 h 51 min
